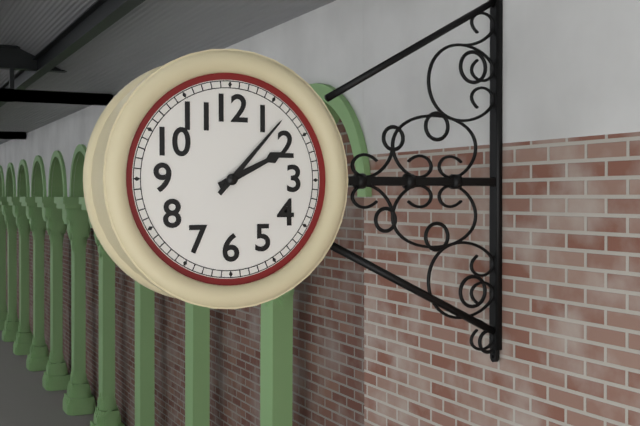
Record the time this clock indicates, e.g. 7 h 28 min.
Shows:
2 h 07 min
